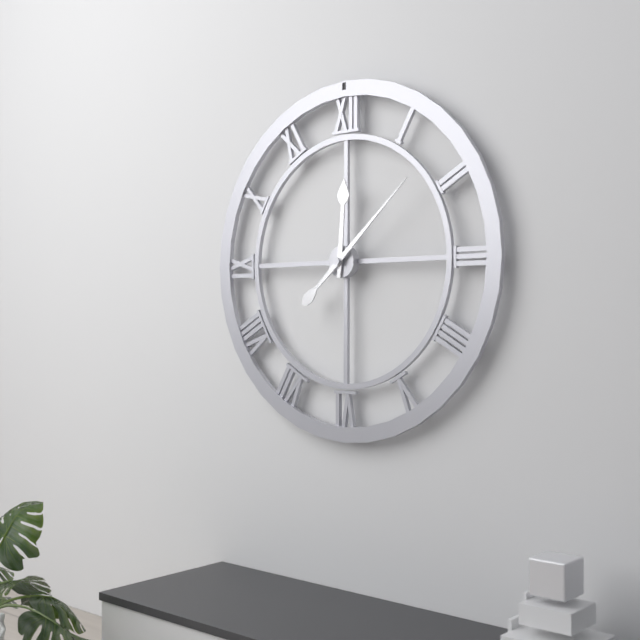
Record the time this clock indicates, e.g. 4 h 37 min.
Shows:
12 h 08 min
